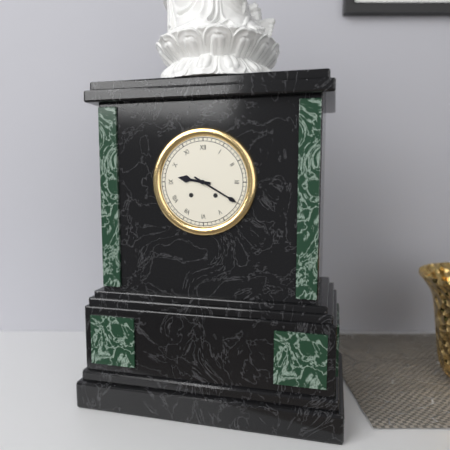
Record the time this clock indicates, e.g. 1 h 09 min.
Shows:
9 h 20 min
